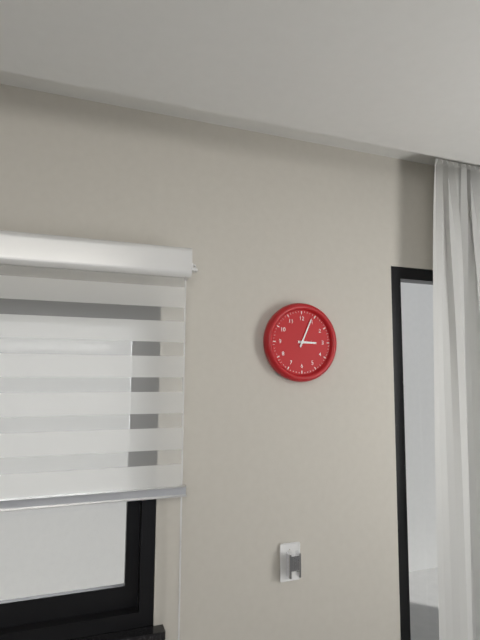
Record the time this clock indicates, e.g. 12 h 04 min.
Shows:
3 h 04 min
